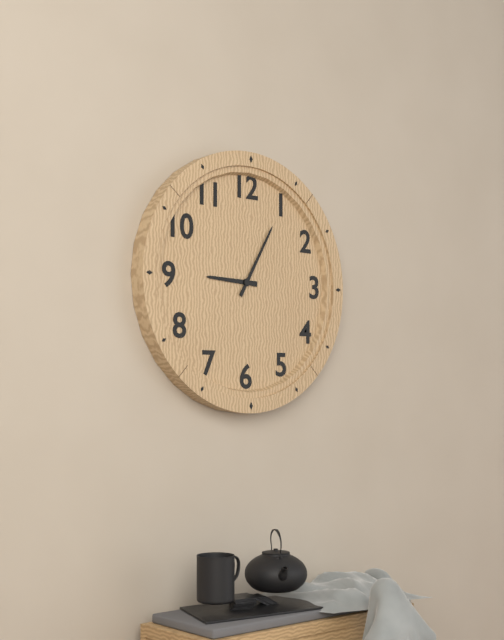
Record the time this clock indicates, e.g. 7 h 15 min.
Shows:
9 h 05 min
